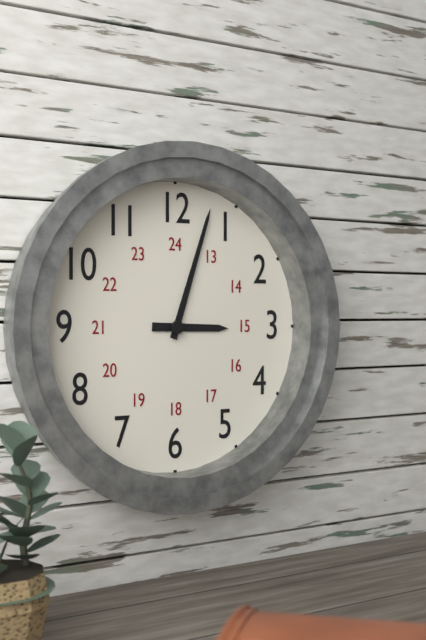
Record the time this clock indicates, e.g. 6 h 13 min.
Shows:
3 h 03 min
